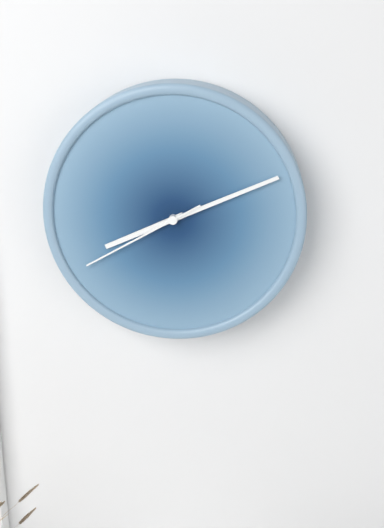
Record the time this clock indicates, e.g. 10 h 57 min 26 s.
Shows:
8 h 11 min 40 s
